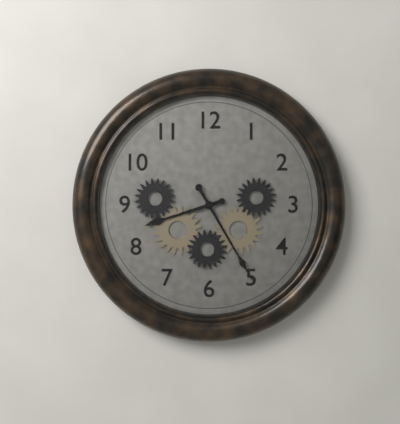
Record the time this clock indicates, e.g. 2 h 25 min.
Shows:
8 h 25 min
